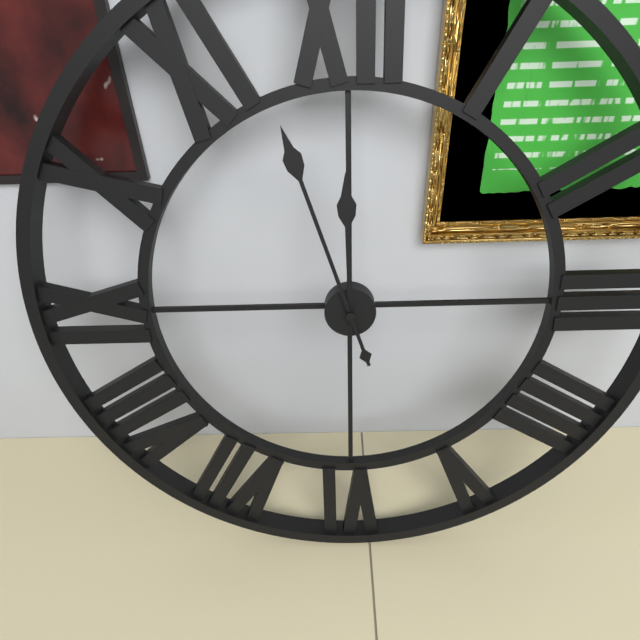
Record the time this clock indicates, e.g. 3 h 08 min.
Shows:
11 h 57 min
